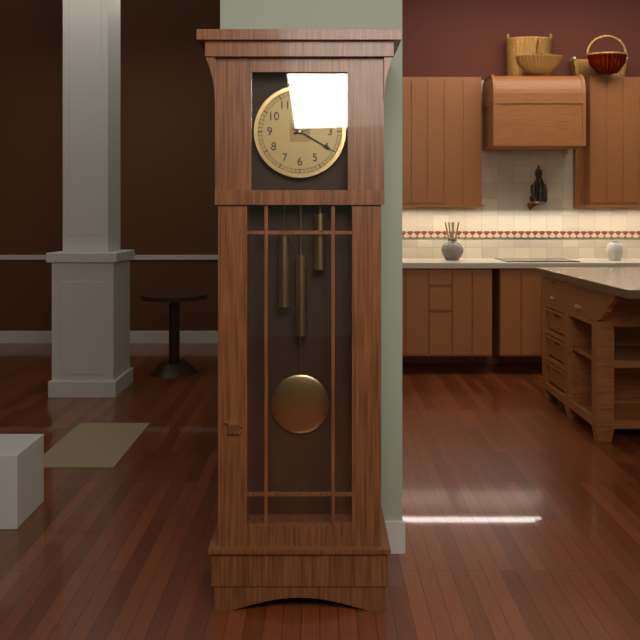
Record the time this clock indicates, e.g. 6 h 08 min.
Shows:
2 h 20 min
